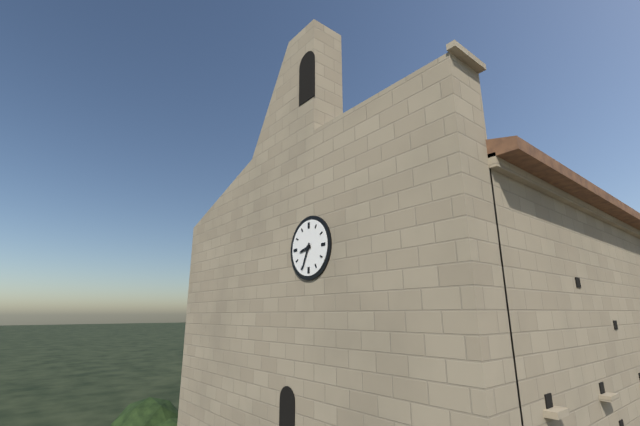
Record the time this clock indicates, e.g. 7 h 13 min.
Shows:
8 h 34 min
